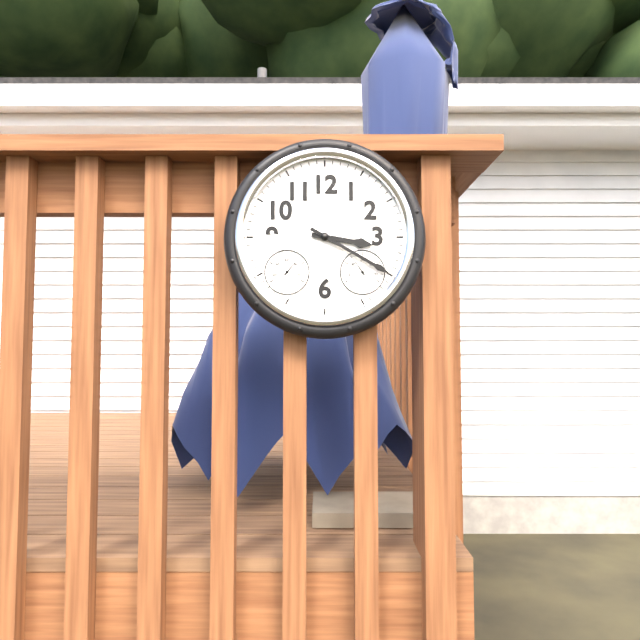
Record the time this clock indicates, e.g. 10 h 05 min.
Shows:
3 h 20 min
